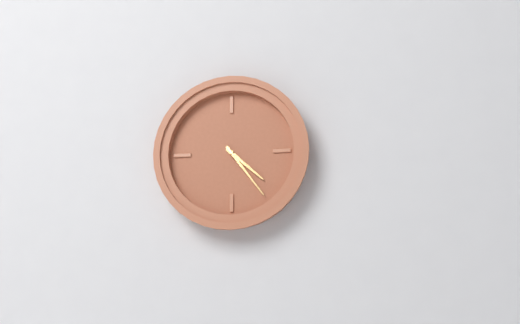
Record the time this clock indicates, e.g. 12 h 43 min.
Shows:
4 h 24 min
